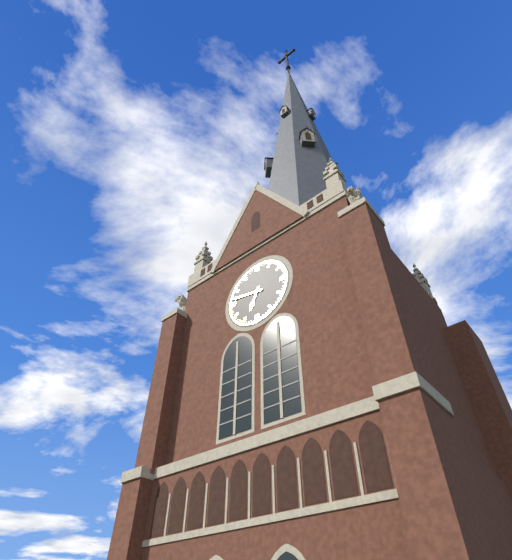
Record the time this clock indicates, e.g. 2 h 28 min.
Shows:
6 h 47 min
